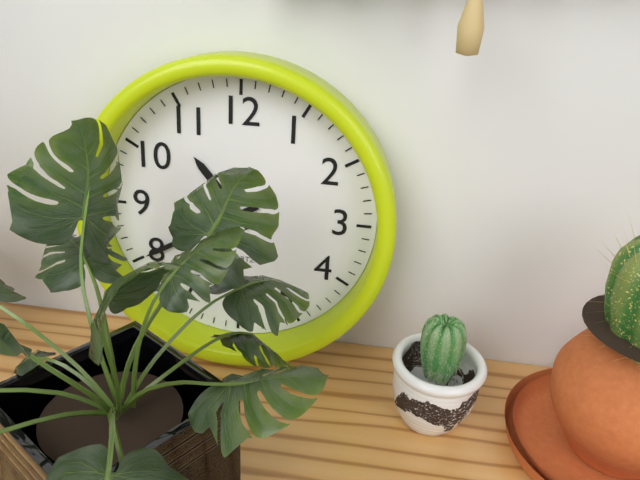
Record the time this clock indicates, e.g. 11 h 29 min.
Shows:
10 h 40 min
